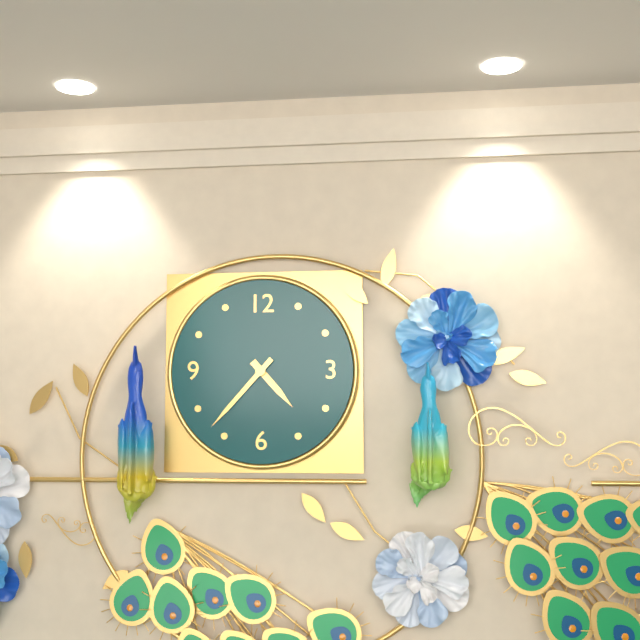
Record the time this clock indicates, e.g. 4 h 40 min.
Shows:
4 h 37 min
